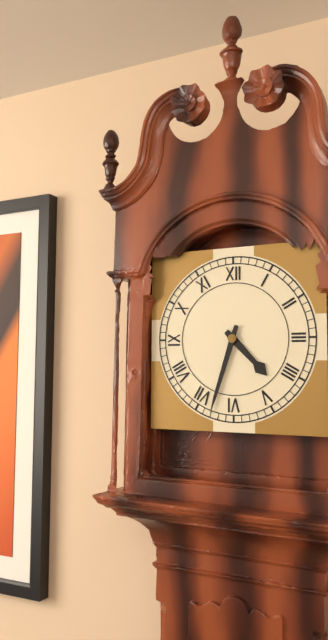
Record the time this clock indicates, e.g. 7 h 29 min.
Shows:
4 h 33 min
